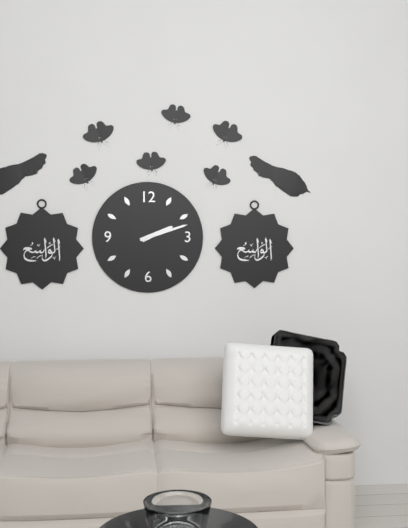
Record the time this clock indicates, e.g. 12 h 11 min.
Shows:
2 h 12 min
